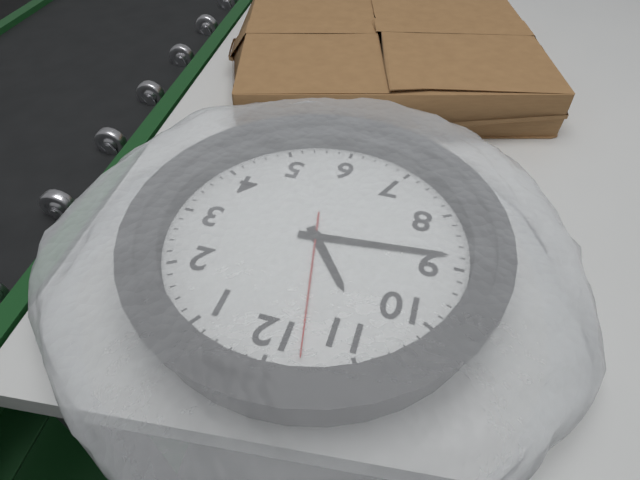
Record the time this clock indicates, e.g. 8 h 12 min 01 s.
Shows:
10 h 44 min 58 s
